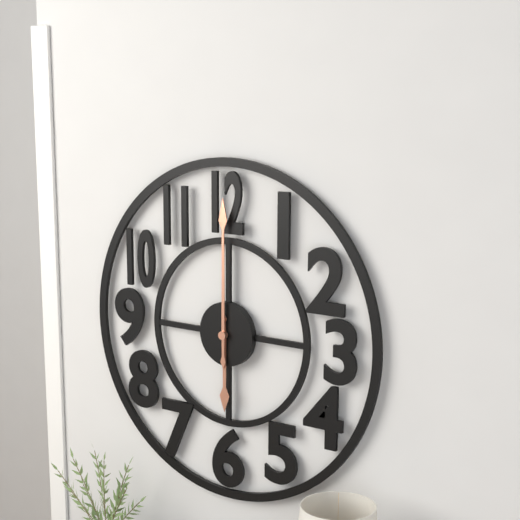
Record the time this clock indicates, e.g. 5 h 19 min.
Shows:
6 h 00 min
